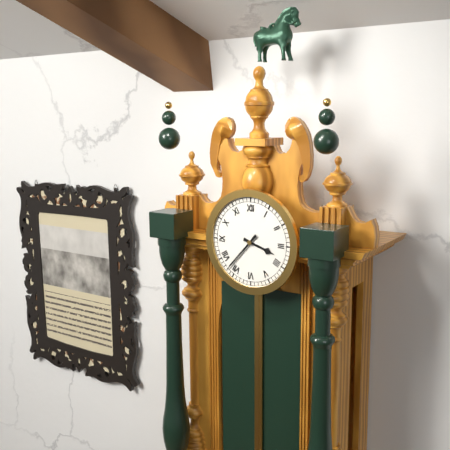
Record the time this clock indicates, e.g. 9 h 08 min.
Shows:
3 h 37 min
